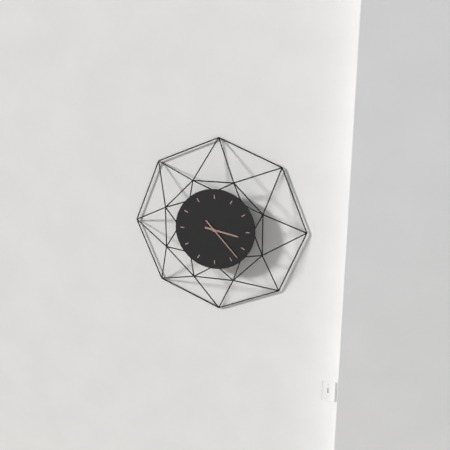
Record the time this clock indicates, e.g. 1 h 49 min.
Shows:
3 h 23 min
